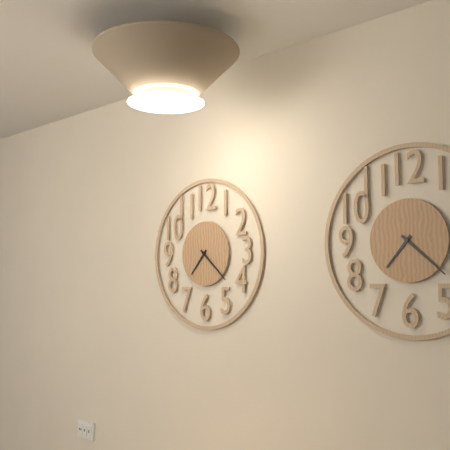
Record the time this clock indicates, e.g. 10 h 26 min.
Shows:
7 h 22 min
